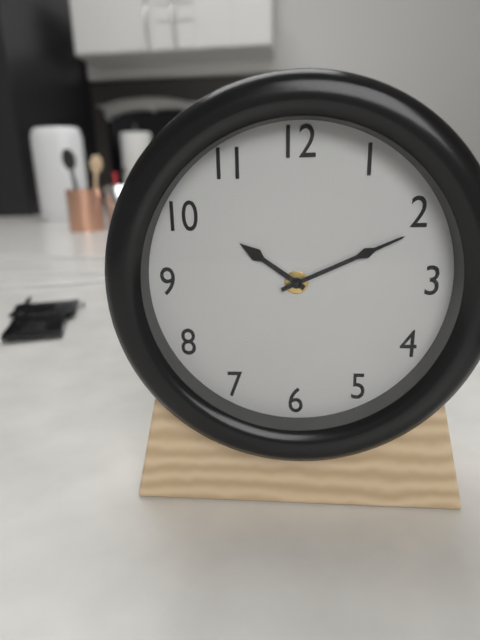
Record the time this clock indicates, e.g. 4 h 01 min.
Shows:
10 h 11 min
